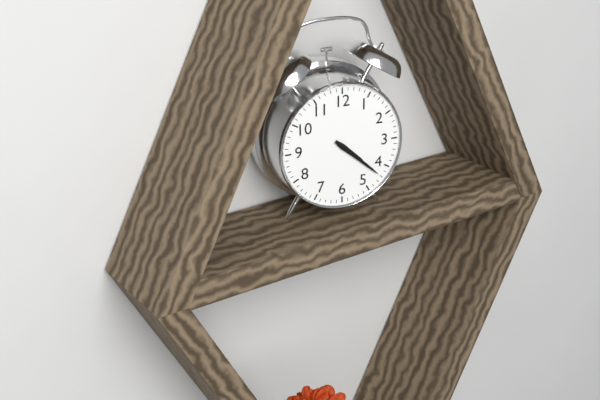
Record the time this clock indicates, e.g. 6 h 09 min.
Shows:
4 h 22 min
